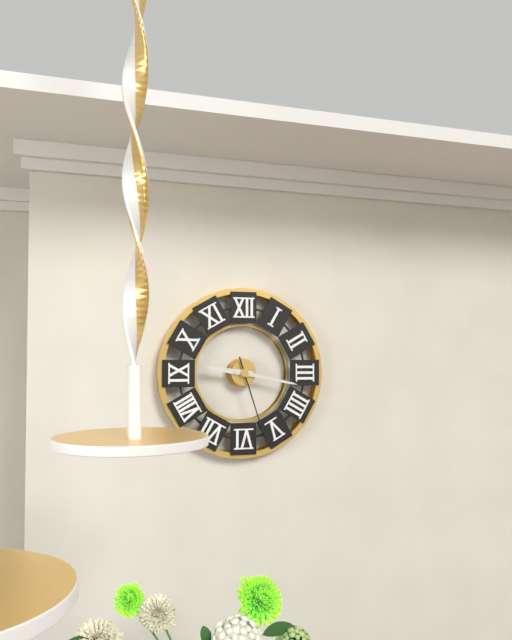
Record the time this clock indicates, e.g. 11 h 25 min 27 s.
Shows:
9 h 17 min 27 s
